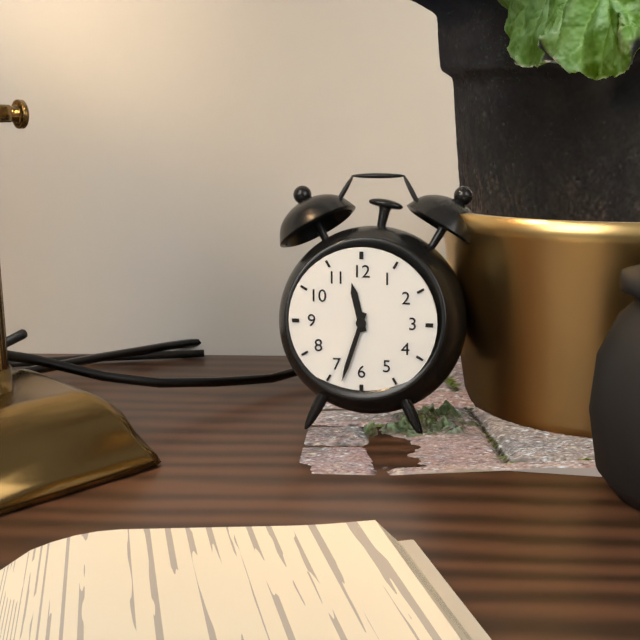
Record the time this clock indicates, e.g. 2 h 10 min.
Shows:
11 h 33 min
